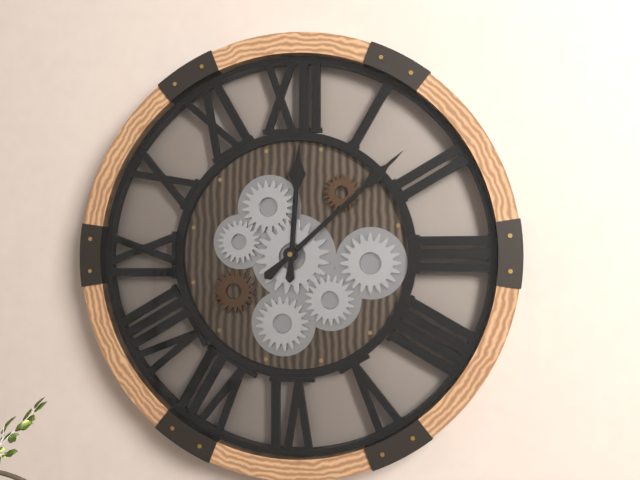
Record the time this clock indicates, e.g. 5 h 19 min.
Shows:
12 h 08 min
